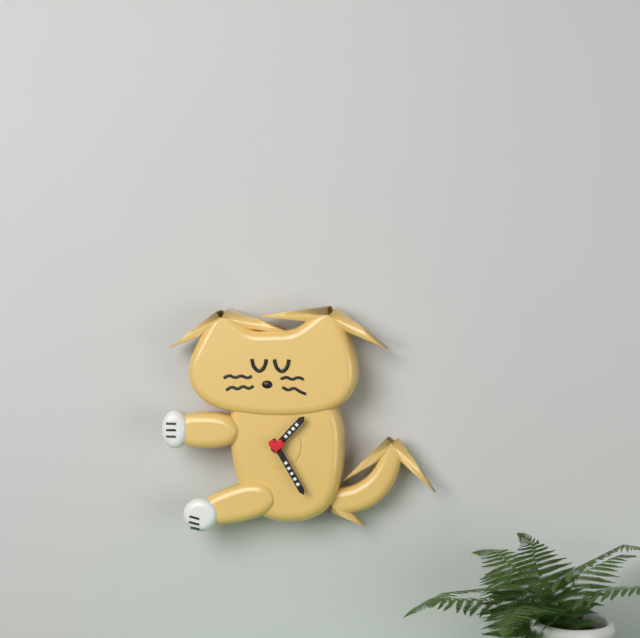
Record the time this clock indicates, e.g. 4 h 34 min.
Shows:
1 h 25 min
